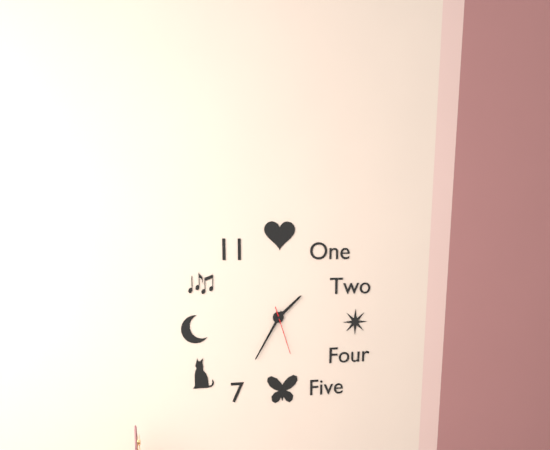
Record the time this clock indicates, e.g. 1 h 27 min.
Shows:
1 h 35 min
